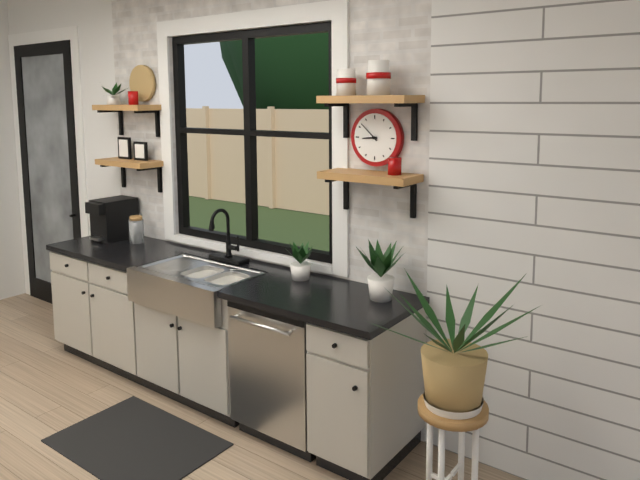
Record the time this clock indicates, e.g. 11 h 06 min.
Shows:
8 h 52 min
